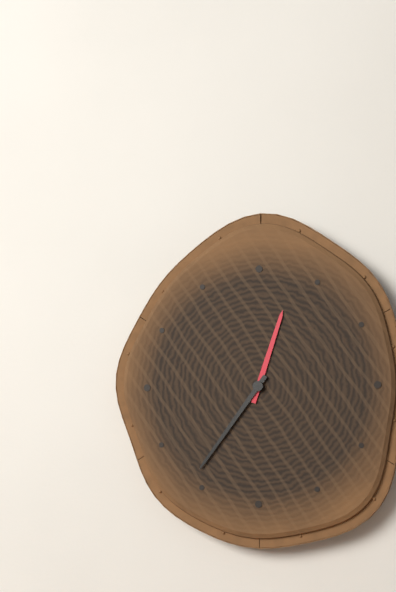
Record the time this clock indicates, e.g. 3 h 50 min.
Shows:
12 h 36 min
